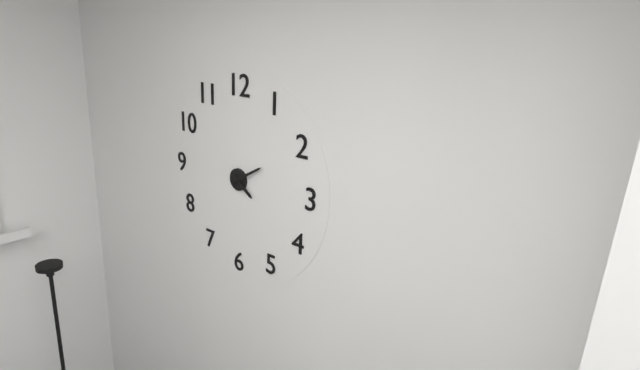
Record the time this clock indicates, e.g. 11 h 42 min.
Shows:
4 h 10 min
